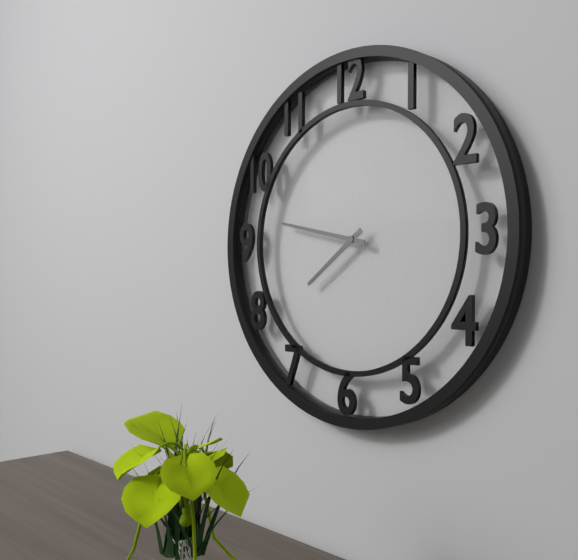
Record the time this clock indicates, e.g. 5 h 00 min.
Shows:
7 h 47 min
